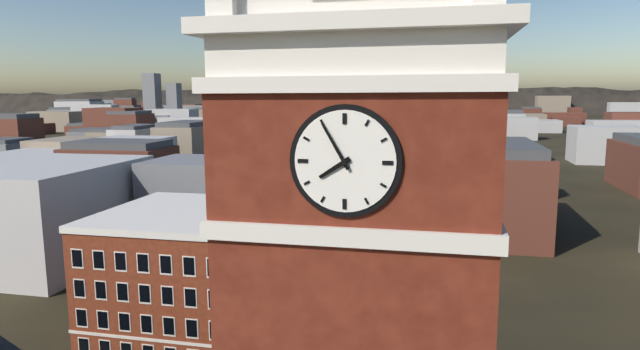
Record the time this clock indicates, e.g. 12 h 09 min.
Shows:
7 h 55 min
